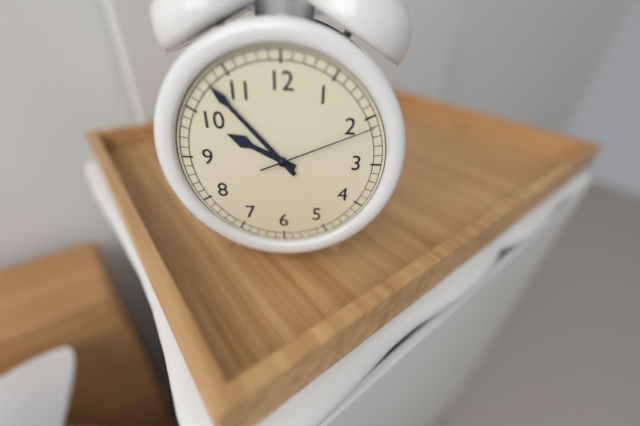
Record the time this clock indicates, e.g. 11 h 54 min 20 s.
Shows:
9 h 53 min 11 s
